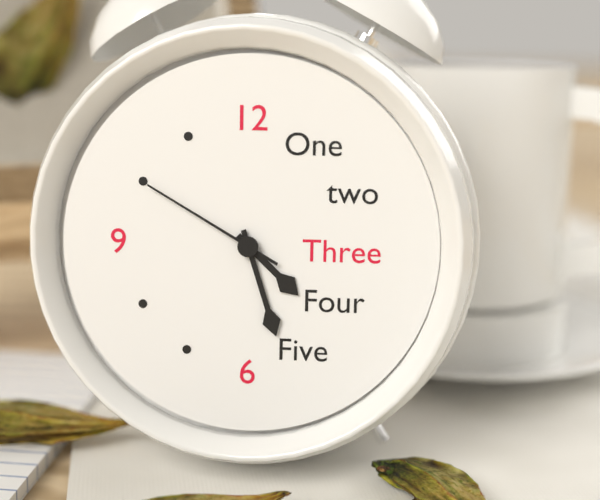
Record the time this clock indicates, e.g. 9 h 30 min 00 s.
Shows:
4 h 27 min 50 s
